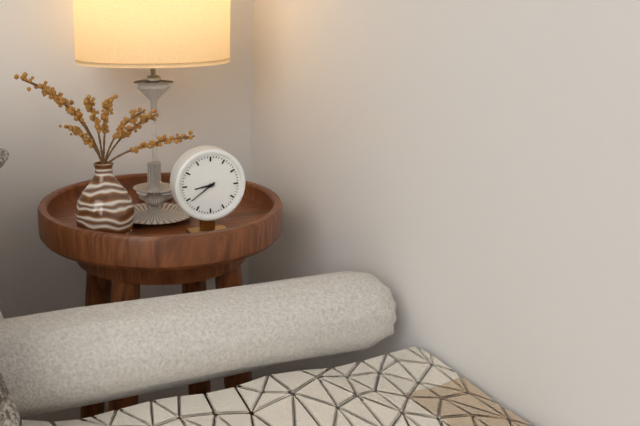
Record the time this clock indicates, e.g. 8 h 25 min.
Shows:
8 h 39 min
